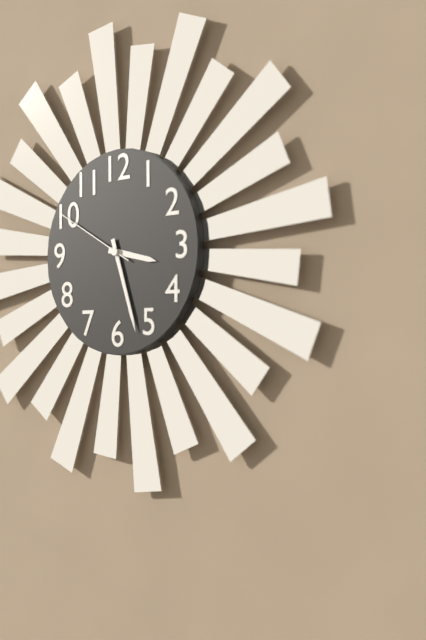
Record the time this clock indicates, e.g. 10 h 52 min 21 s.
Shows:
3 h 27 min 50 s
